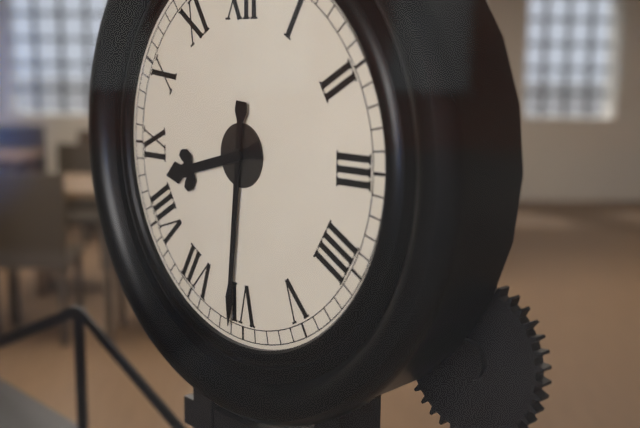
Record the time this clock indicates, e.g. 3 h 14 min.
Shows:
8 h 31 min
